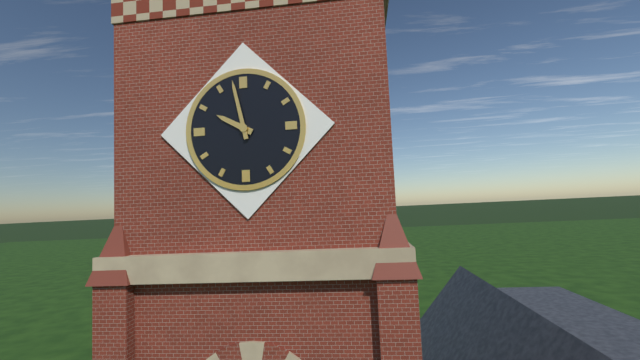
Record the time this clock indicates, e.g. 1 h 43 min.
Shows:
9 h 58 min
